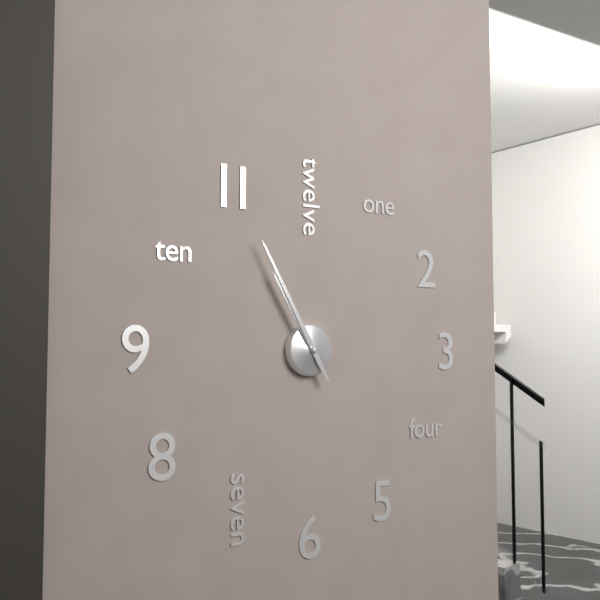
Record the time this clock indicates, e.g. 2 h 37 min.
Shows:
10 h 55 min
